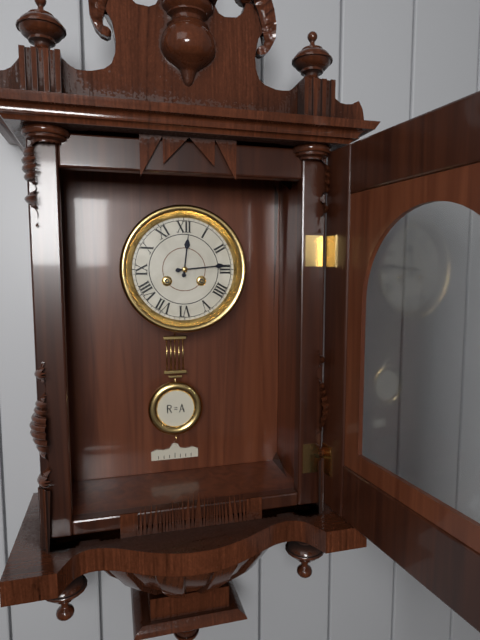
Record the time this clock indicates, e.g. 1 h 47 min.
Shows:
12 h 14 min
